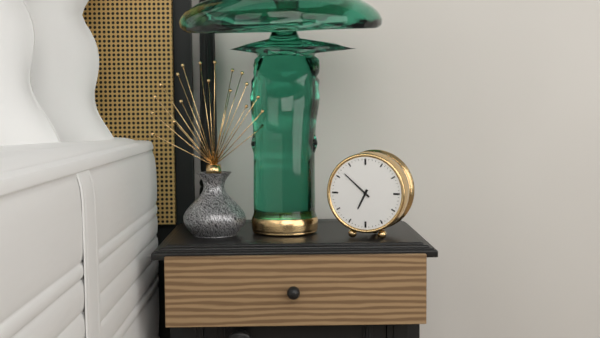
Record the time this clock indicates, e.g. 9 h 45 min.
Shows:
6 h 52 min
